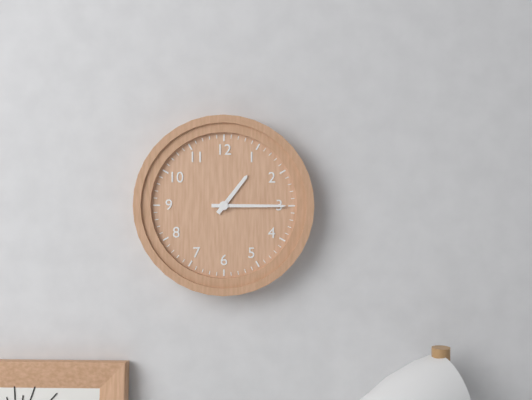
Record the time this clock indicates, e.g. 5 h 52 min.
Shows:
1 h 15 min
